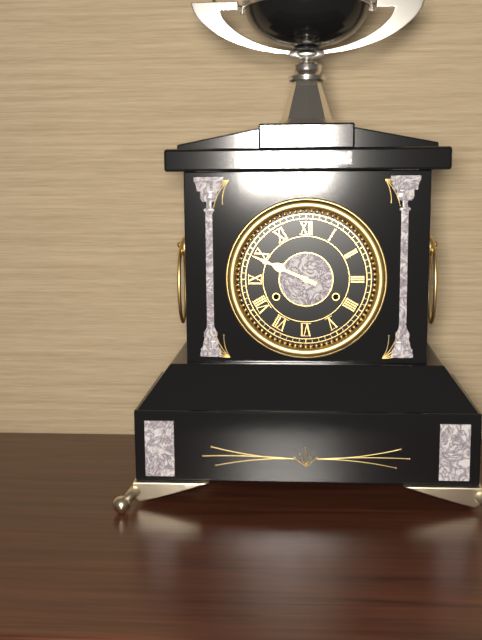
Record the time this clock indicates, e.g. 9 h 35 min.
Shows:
9 h 49 min
